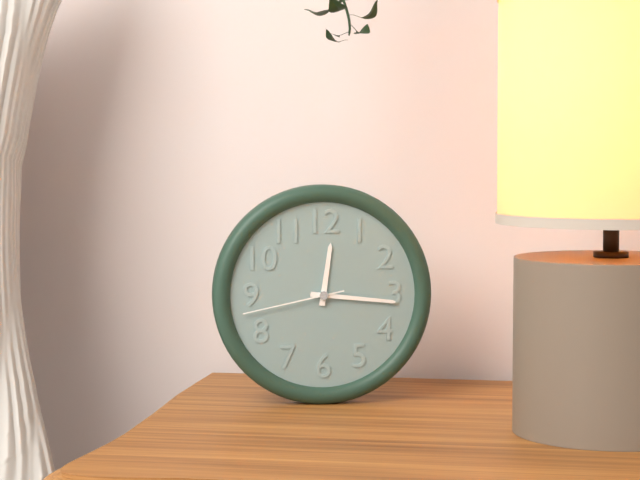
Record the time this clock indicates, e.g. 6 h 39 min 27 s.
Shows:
12 h 16 min 43 s
